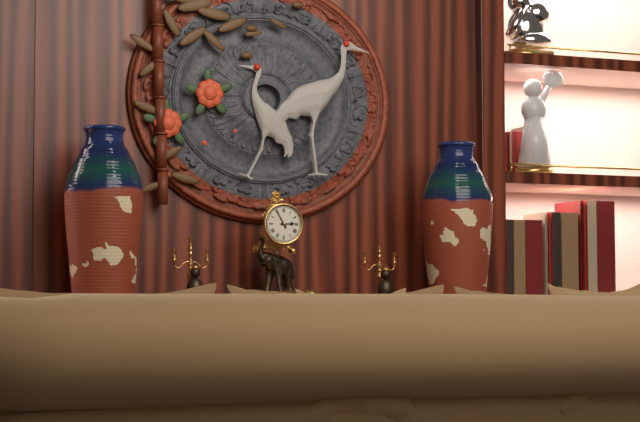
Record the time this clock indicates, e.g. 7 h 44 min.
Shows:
2 h 55 min
